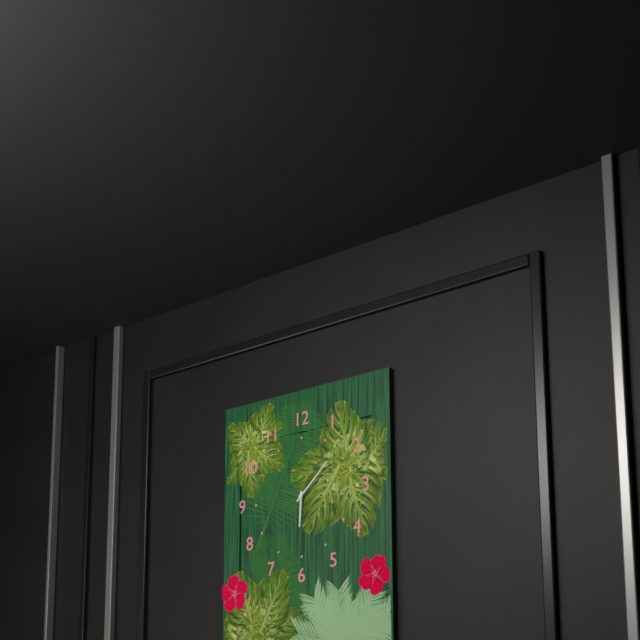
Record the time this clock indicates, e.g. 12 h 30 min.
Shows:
6 h 08 min
